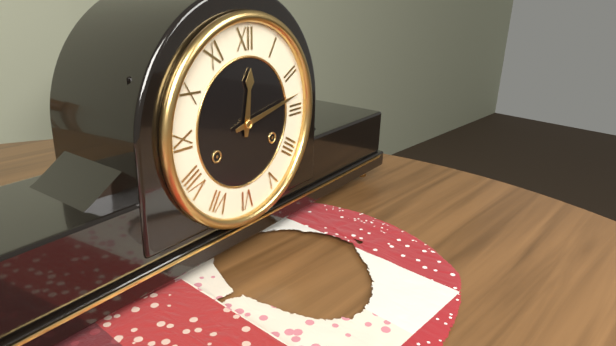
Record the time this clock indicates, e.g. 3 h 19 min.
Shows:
12 h 13 min
